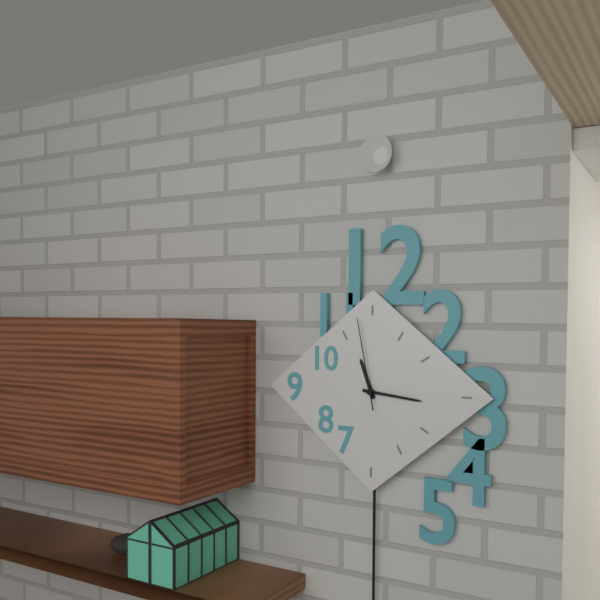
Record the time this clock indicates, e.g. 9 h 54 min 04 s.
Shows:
11 h 16 min 58 s
